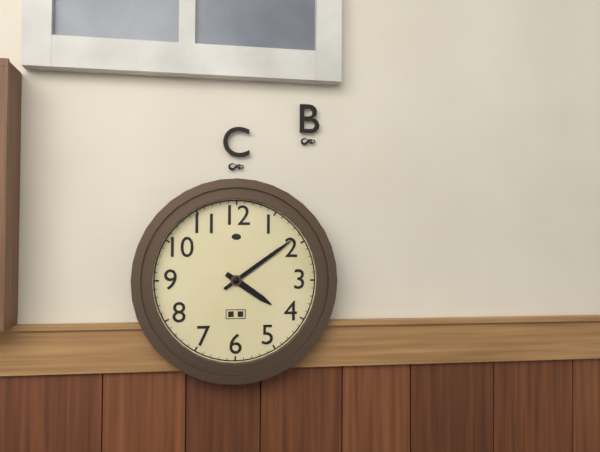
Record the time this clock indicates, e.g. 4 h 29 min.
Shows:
4 h 09 min
